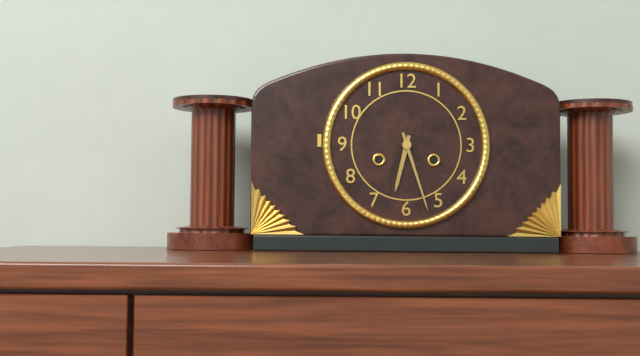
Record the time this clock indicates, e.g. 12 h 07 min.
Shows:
6 h 27 min
